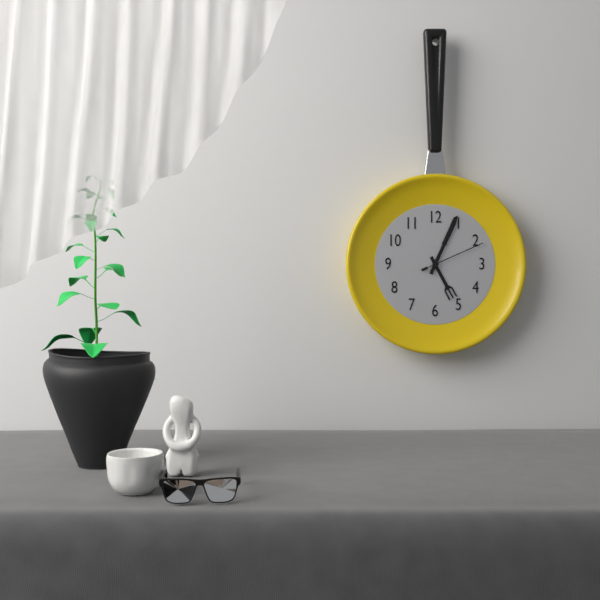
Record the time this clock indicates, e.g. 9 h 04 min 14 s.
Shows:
5 h 04 min 11 s
